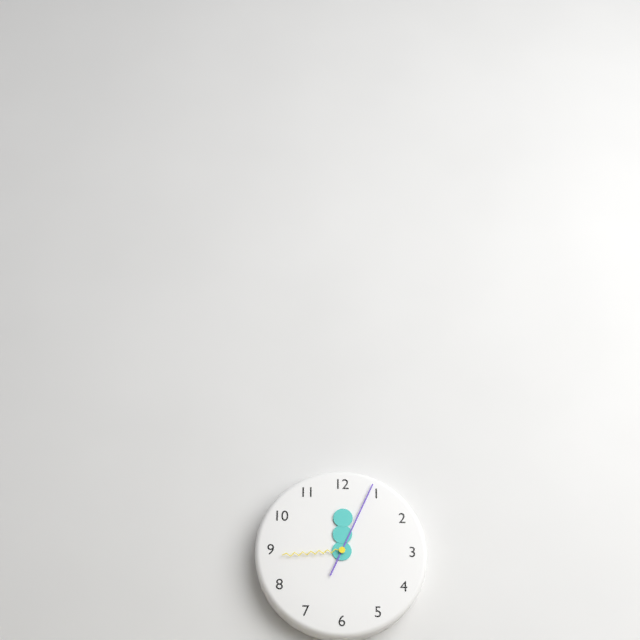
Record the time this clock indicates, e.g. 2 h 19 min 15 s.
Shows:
12 h 04 min 44 s
